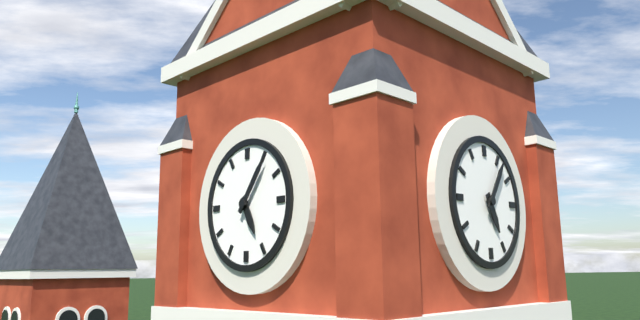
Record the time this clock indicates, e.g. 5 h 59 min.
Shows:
5 h 06 min
